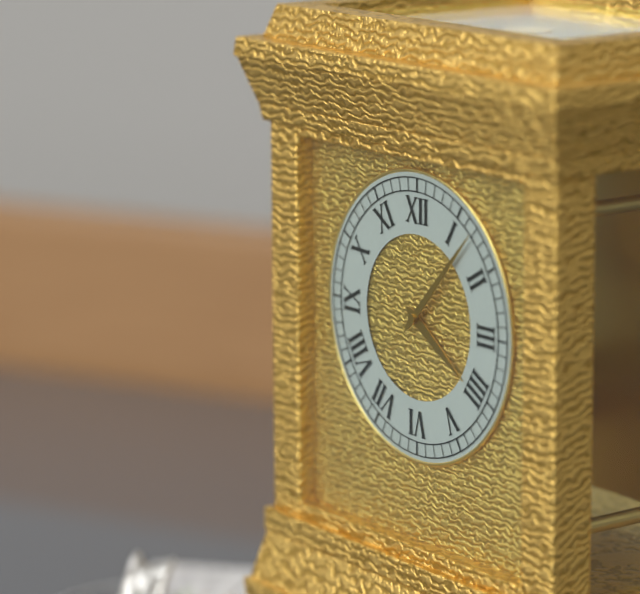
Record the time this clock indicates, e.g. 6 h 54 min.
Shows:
4 h 07 min
